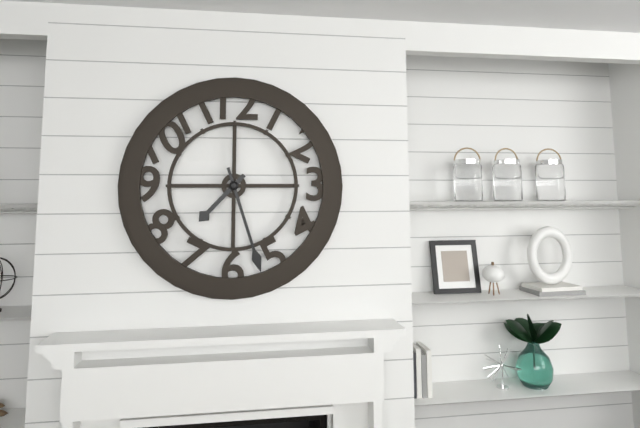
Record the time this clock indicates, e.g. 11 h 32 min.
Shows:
7 h 27 min
